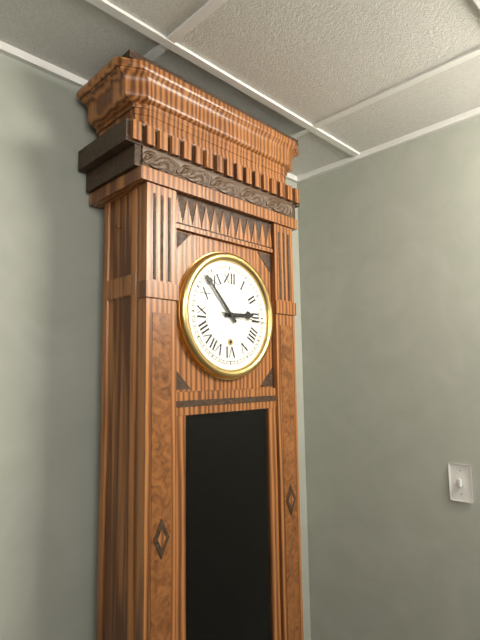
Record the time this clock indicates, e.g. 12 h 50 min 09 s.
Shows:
2 h 53 min 16 s
